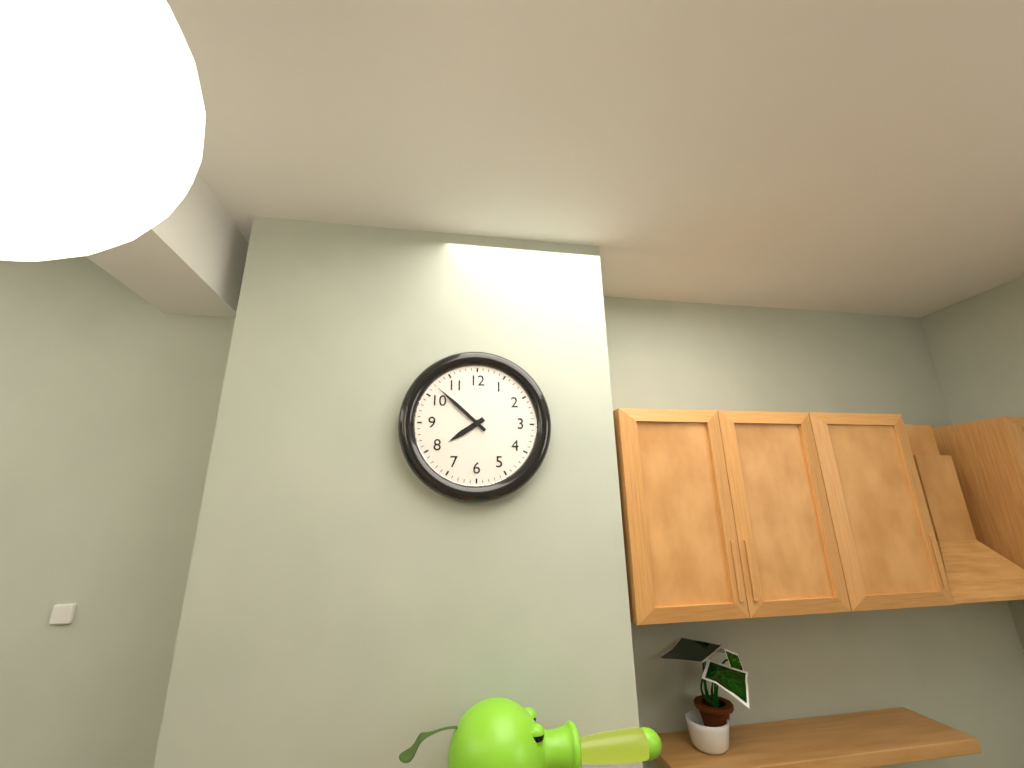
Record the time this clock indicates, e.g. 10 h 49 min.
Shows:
7 h 52 min
